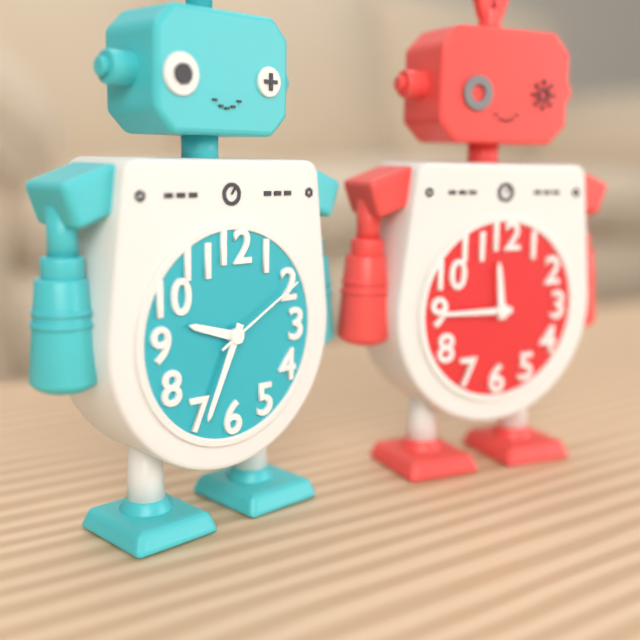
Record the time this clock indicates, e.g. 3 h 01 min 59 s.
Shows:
9 h 34 min 10 s
